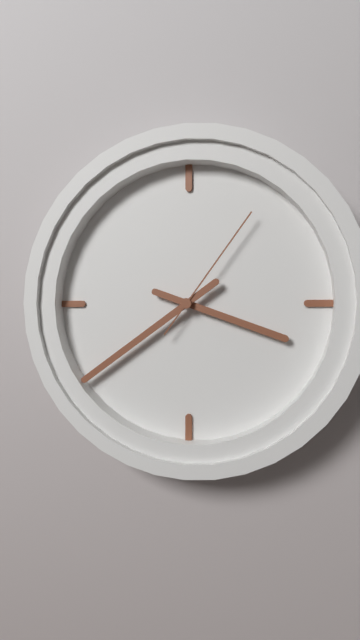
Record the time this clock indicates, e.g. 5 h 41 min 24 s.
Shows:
3 h 39 min 06 s
